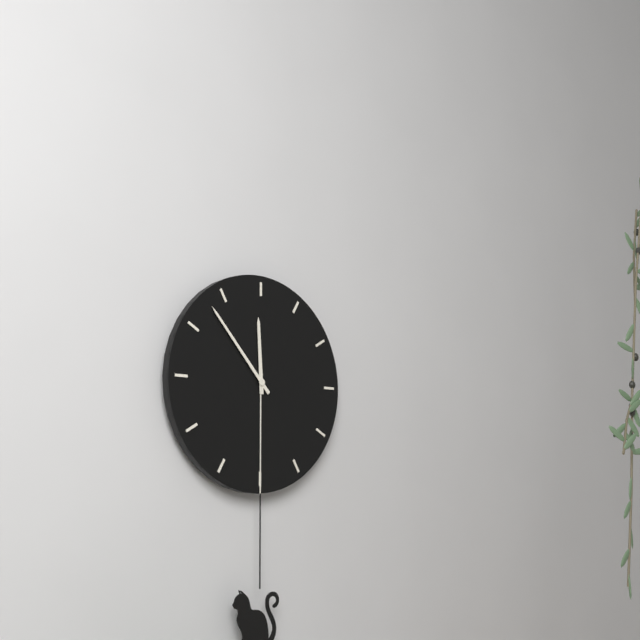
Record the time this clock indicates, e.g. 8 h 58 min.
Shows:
11 h 53 min
